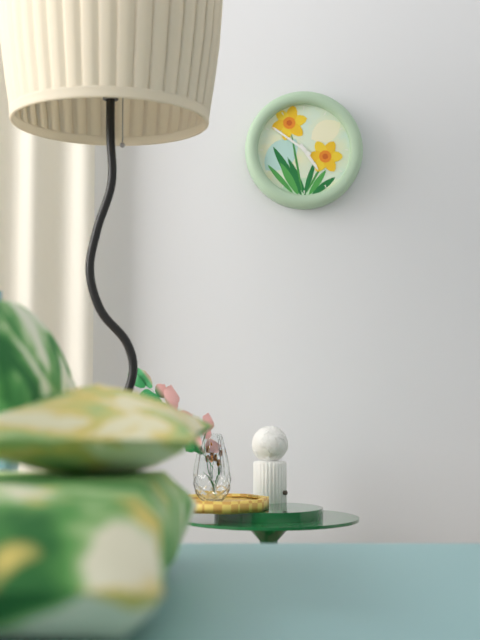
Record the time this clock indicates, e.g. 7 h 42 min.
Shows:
4 h 51 min
